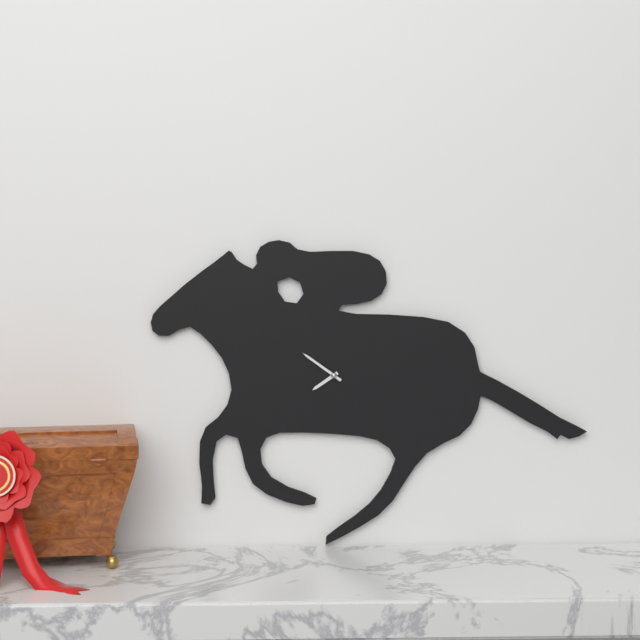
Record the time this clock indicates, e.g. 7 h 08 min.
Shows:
7 h 51 min
